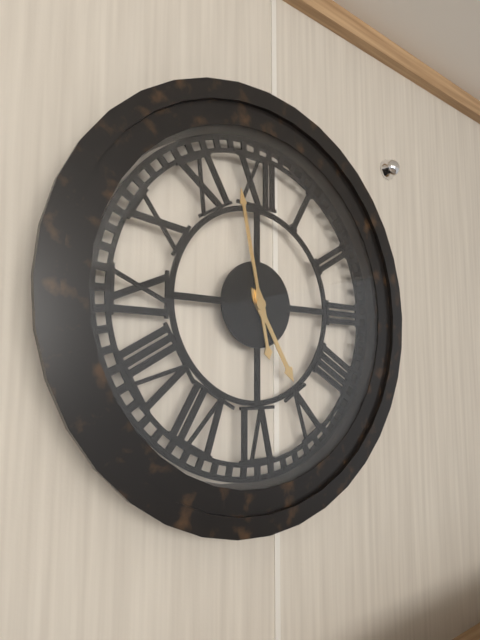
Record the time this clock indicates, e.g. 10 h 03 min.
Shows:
4 h 58 min
